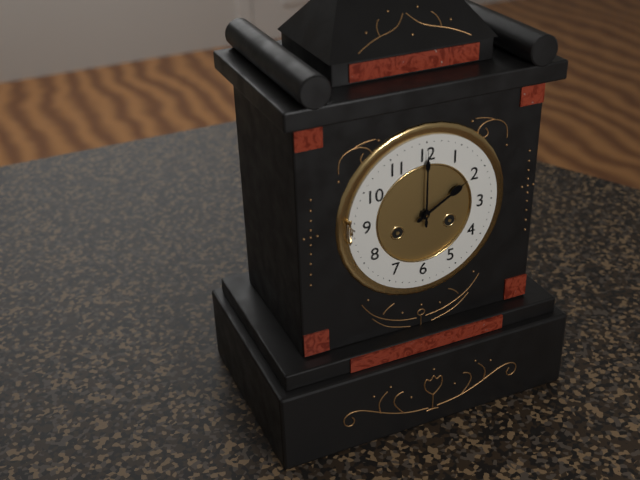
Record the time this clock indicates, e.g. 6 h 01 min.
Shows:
2 h 00 min
